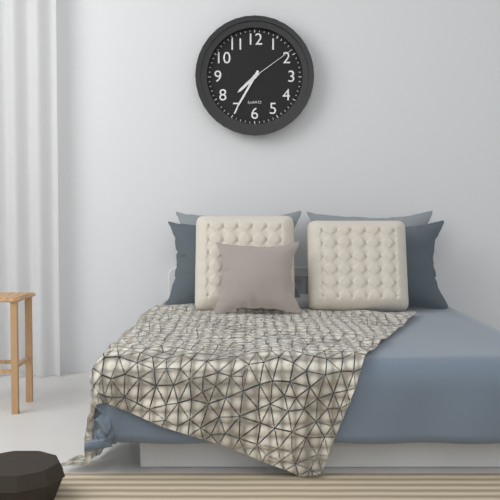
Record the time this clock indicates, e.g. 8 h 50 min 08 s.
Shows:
7 h 35 min 09 s
